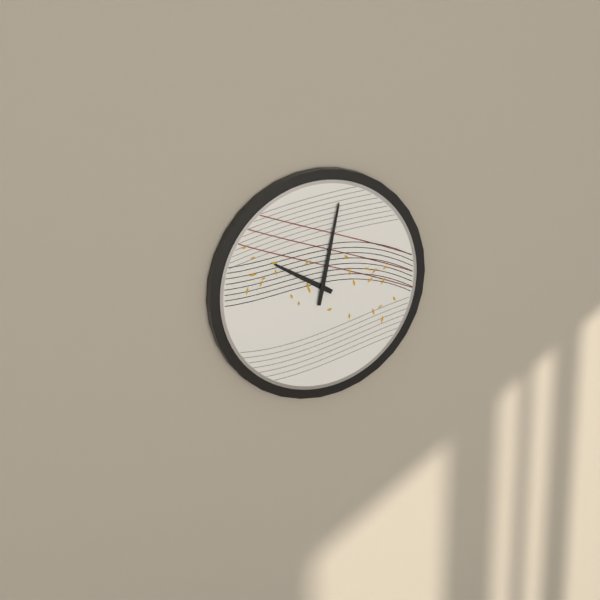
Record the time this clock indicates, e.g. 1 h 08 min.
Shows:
10 h 02 min
